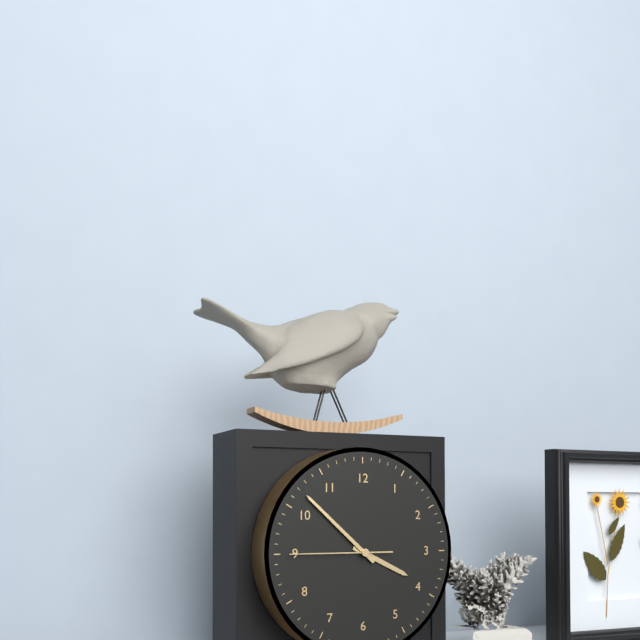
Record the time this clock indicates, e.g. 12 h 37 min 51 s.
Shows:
3 h 52 min 45 s
